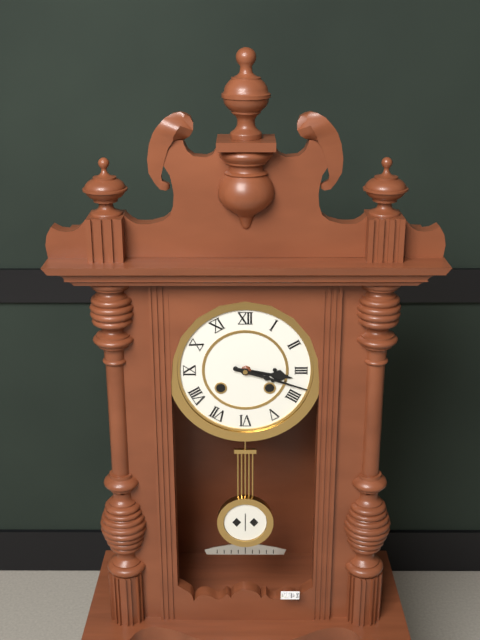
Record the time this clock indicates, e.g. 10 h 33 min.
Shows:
3 h 18 min
